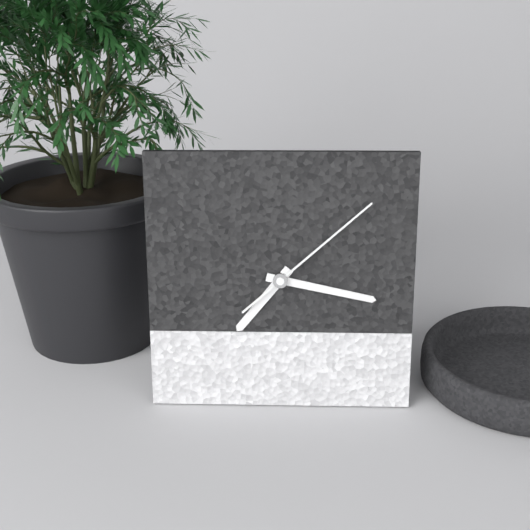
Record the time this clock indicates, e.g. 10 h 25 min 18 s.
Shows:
7 h 17 min 08 s
